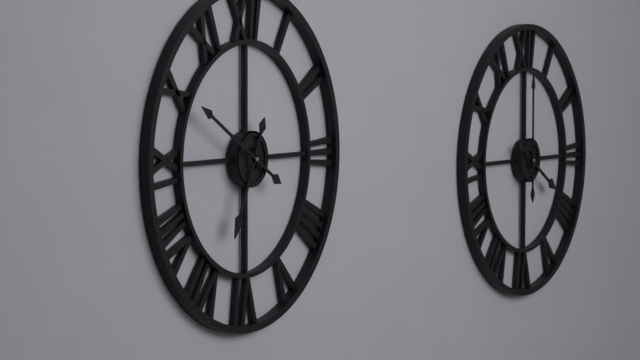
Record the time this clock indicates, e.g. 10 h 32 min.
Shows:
6 h 50 min
